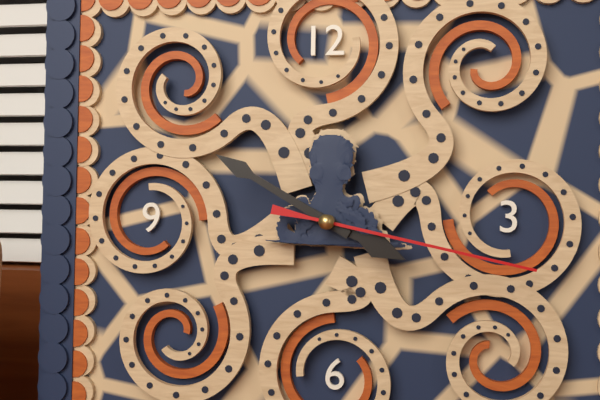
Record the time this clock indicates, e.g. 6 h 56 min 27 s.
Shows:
3 h 50 min 17 s
